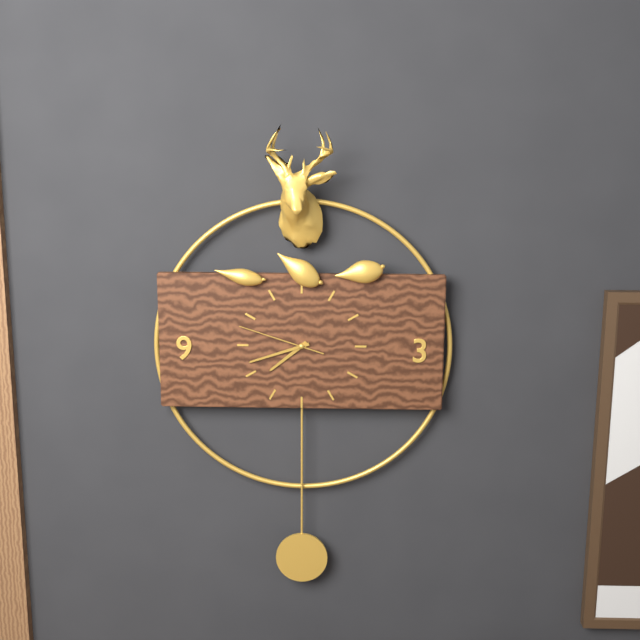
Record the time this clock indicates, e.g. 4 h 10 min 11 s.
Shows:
7 h 42 min 48 s
